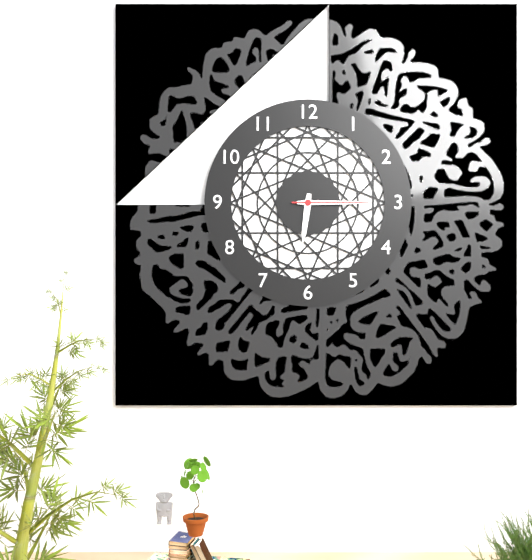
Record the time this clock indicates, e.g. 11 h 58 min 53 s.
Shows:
6 h 15 min 15 s
